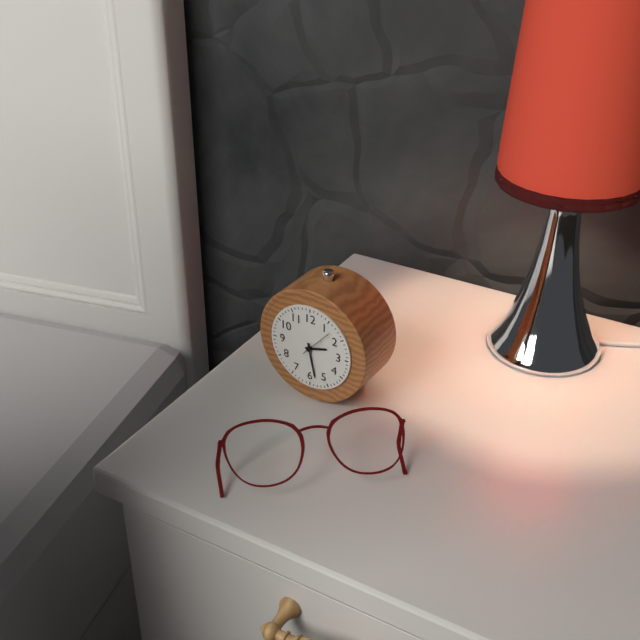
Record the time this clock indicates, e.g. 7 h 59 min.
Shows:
2 h 28 min
